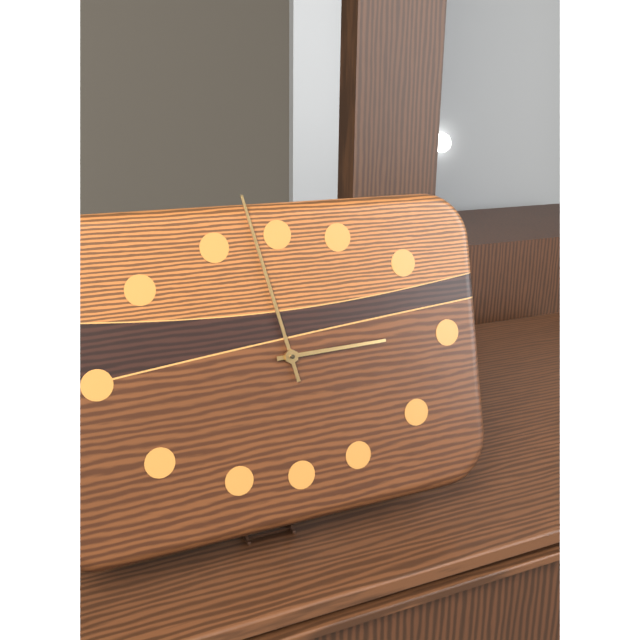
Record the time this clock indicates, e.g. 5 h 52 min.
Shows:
2 h 58 min
